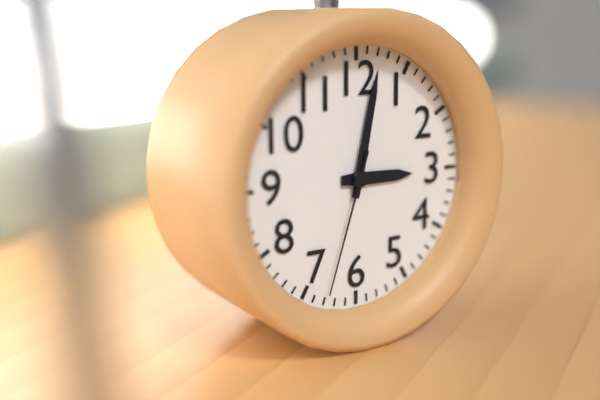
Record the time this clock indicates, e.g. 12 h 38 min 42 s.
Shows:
3 h 02 min 33 s
